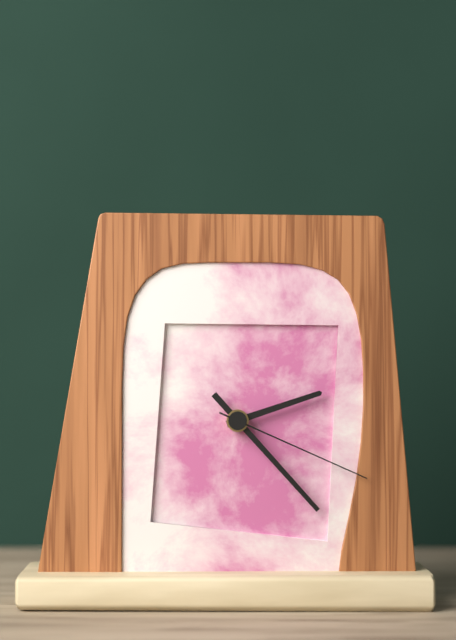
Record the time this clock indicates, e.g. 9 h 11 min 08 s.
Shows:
2 h 23 min 19 s
